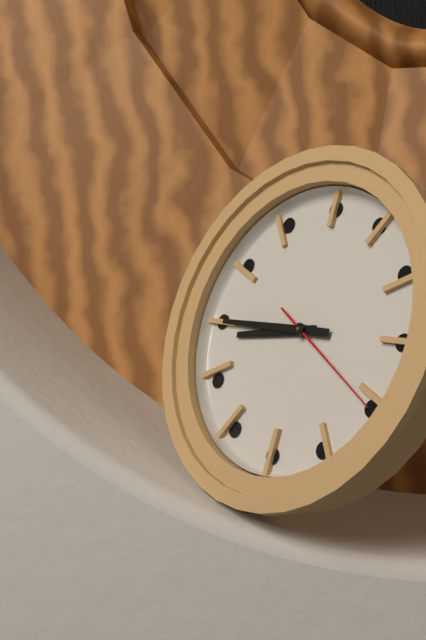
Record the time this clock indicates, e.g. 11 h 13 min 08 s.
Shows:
8 h 45 min 20 s
